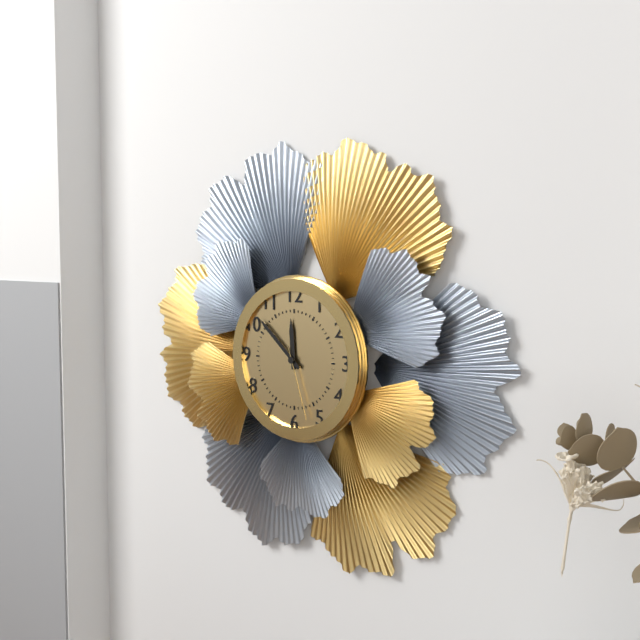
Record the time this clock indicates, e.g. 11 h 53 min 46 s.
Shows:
11 h 52 min 27 s
